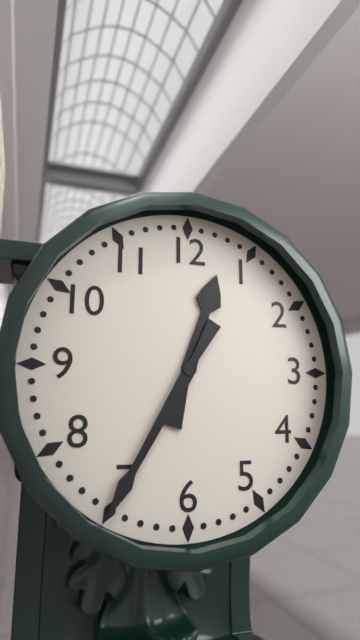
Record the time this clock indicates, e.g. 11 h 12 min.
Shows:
12 h 35 min
